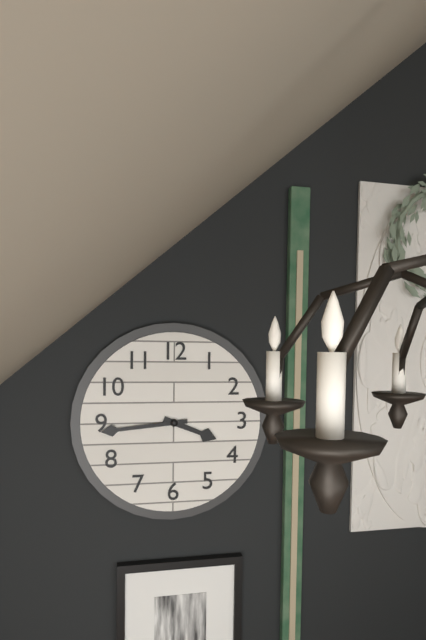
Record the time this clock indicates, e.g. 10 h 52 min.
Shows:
3 h 44 min
